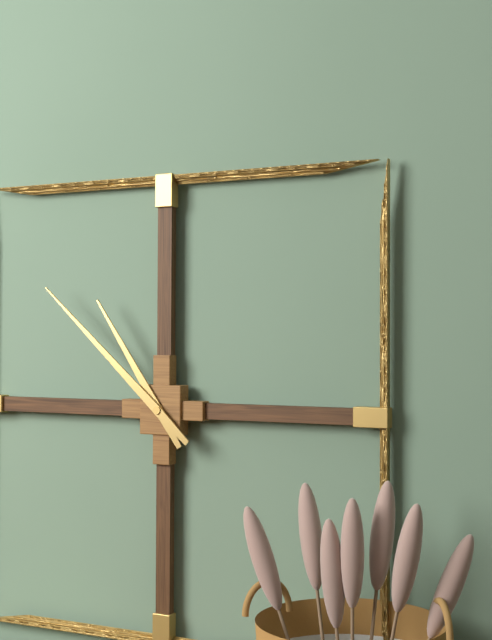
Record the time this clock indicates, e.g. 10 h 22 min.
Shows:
10 h 52 min
